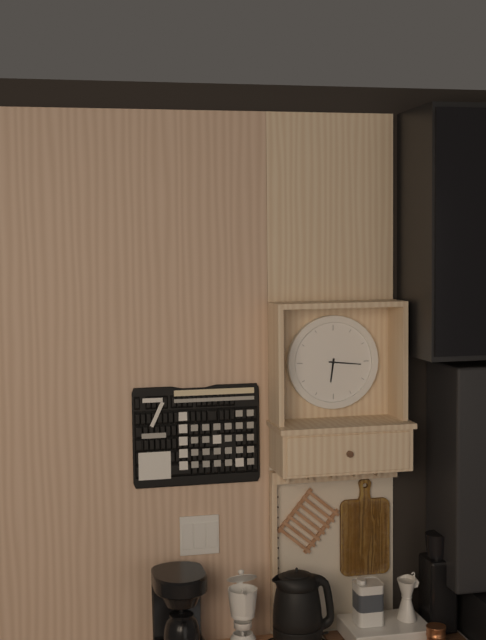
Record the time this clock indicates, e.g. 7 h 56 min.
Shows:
6 h 16 min
